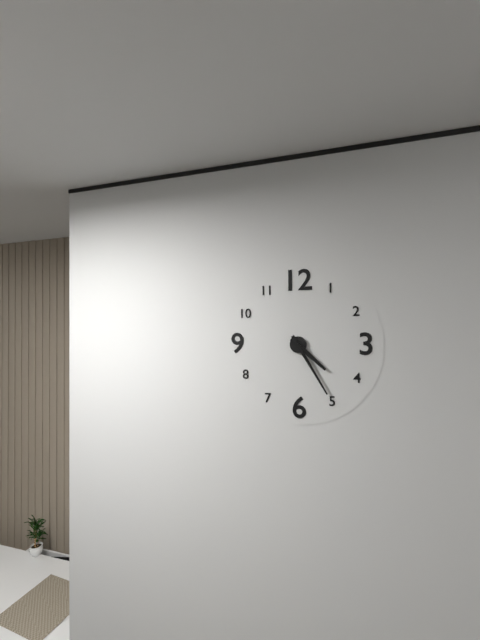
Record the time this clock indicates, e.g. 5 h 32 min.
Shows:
4 h 25 min
